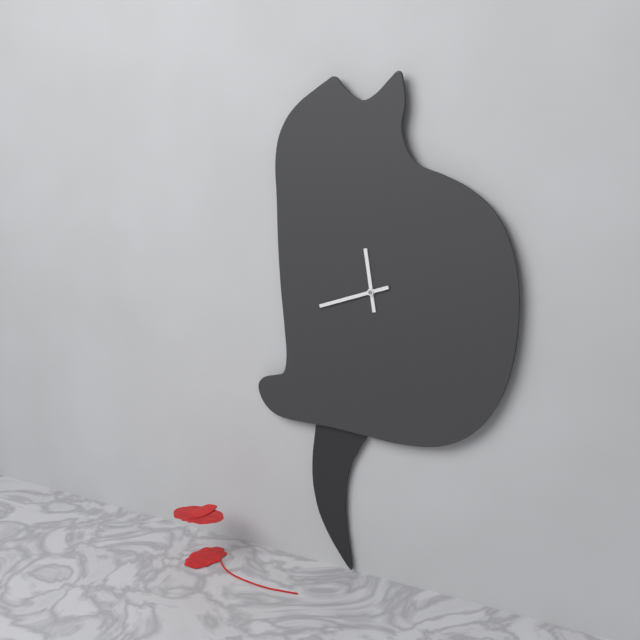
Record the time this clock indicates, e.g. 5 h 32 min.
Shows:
11 h 42 min
